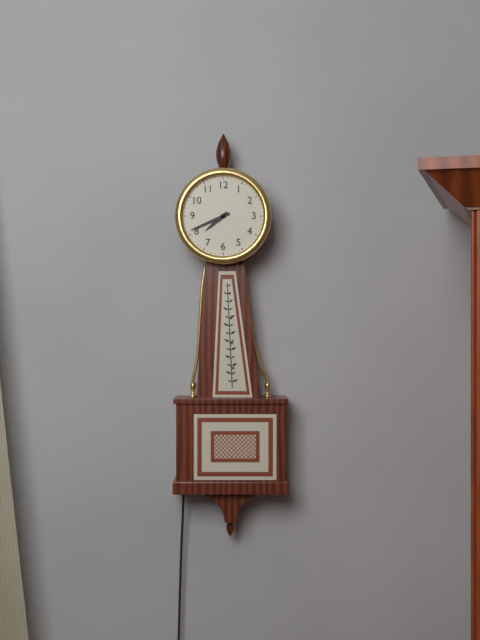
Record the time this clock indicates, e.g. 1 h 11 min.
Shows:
7 h 41 min
